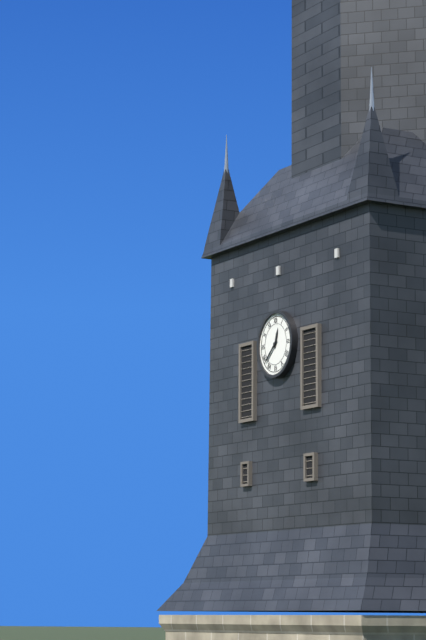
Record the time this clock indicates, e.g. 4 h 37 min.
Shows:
12 h 38 min
